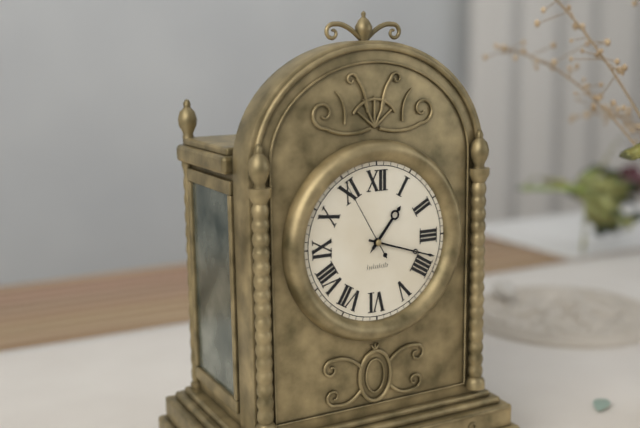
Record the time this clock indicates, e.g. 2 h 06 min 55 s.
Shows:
1 h 18 min 55 s
